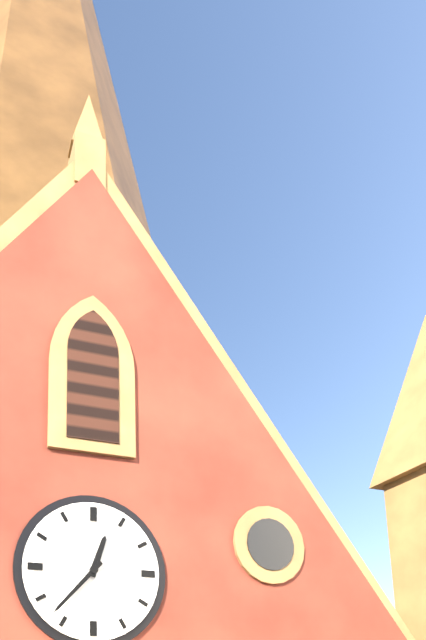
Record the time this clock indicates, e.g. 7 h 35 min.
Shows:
12 h 37 min
